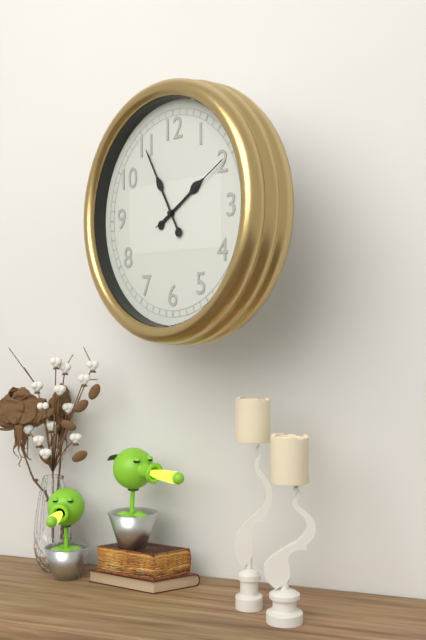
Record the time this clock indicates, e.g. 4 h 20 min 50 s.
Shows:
1 h 55 min 10 s
